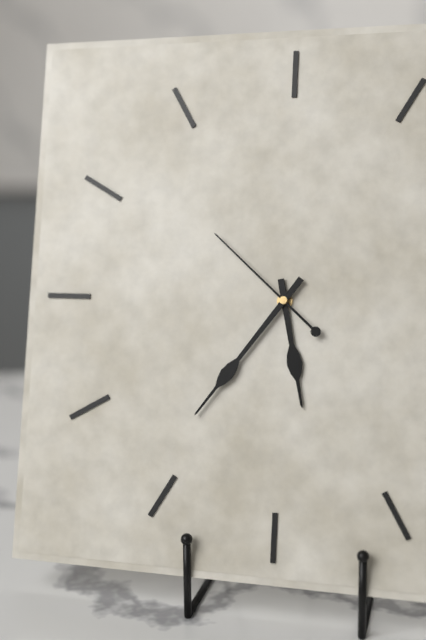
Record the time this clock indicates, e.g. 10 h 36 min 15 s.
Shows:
5 h 36 min 52 s
